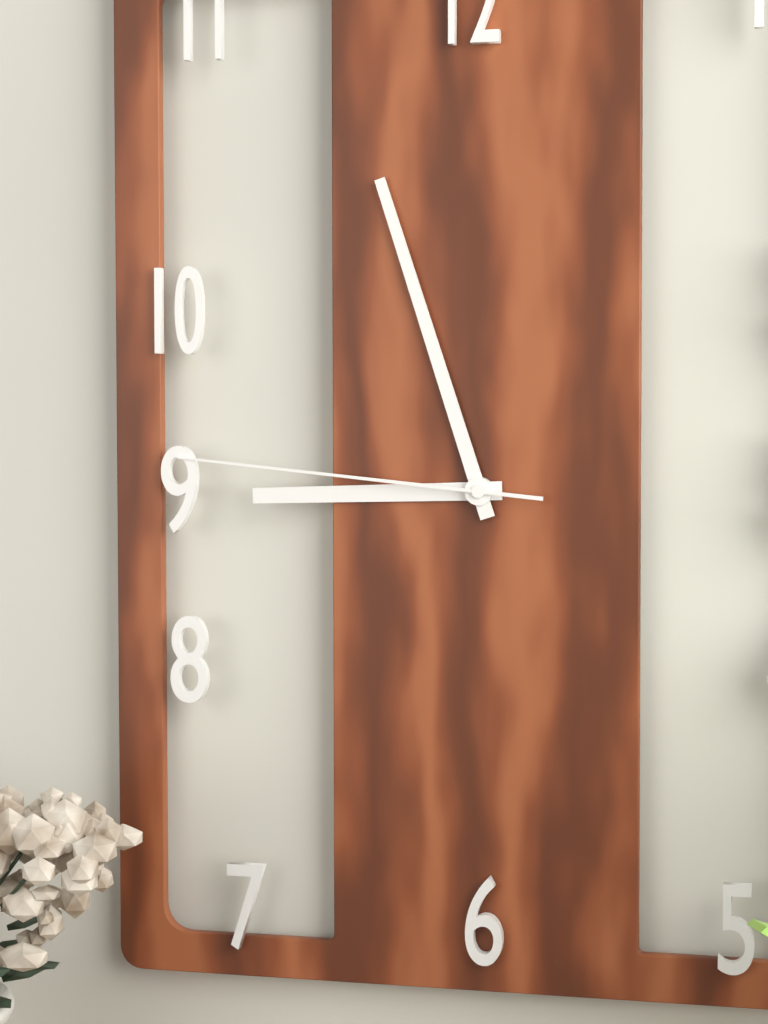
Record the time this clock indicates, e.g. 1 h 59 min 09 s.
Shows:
8 h 57 min 46 s
